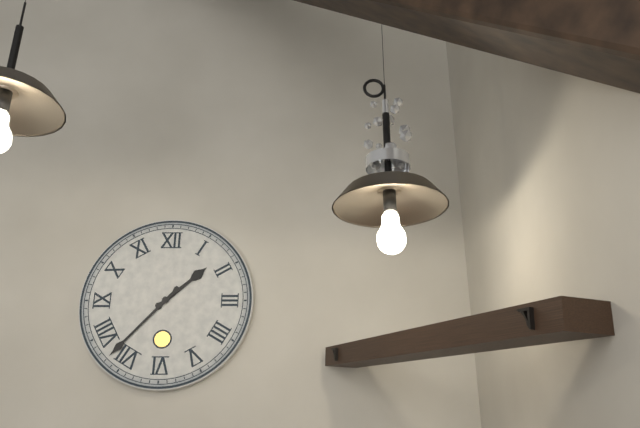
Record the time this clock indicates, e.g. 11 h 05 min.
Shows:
1 h 37 min
